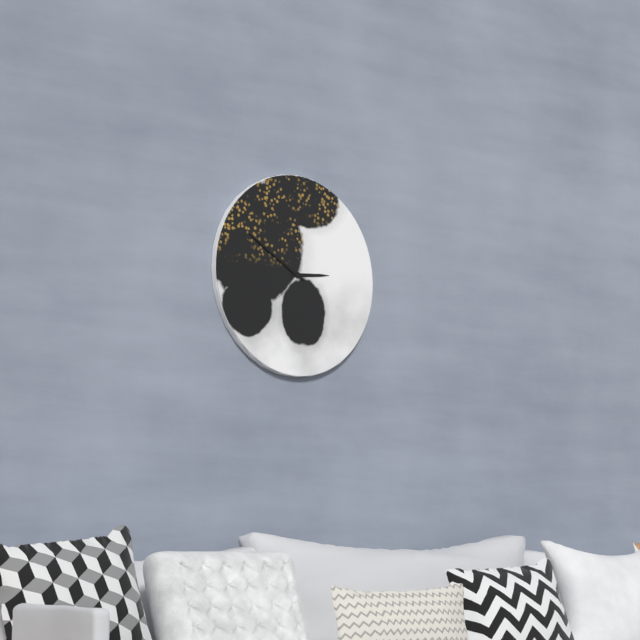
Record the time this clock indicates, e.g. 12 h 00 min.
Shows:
2 h 50 min
